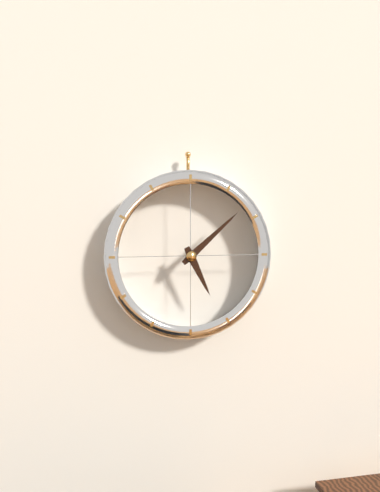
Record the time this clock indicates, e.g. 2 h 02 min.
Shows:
5 h 08 min
